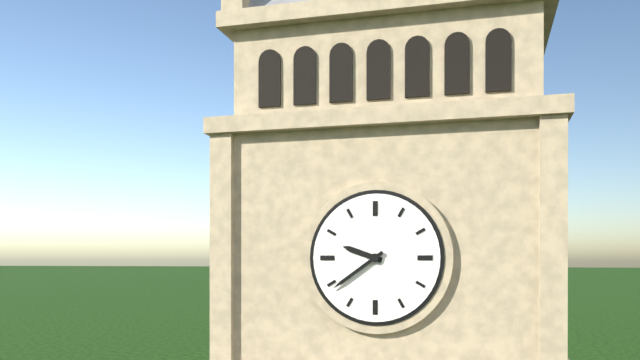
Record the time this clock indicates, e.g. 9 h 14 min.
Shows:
9 h 39 min
